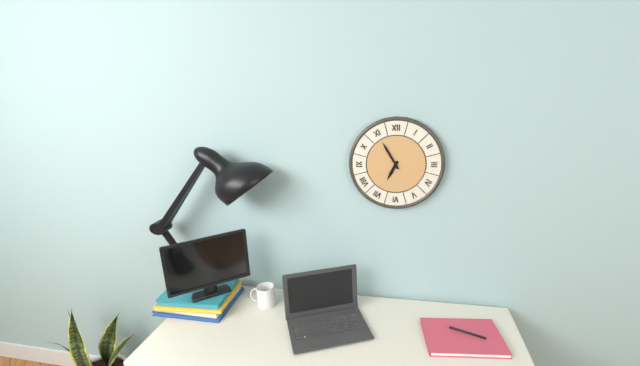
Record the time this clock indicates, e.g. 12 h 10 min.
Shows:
6 h 55 min
